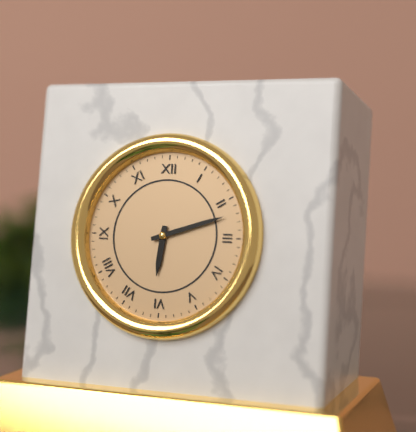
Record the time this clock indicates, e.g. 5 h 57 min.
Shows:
6 h 12 min
